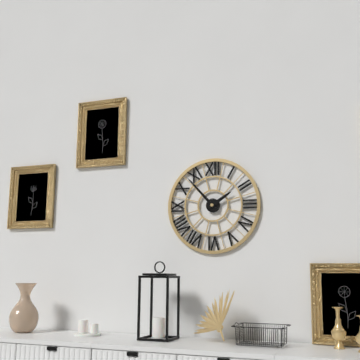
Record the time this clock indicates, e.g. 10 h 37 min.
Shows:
1 h 53 min
